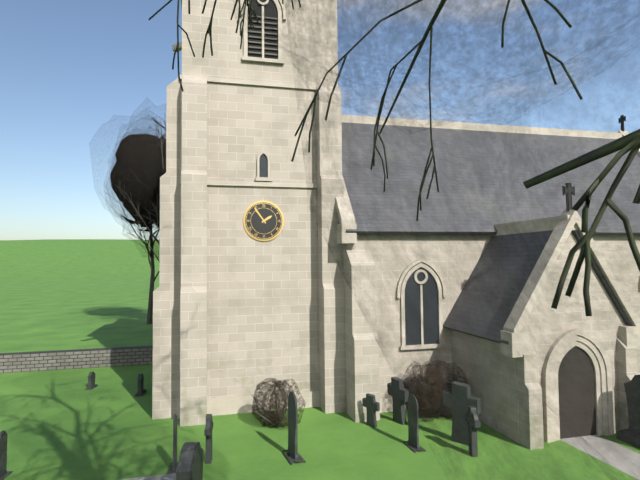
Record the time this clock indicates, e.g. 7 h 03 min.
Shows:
1 h 54 min
